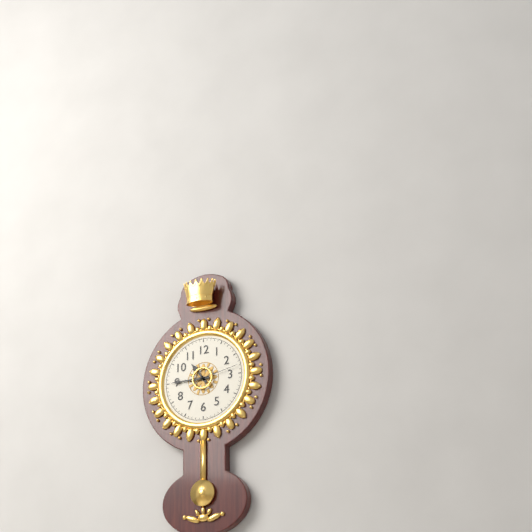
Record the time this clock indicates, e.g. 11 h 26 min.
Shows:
10 h 45 min
